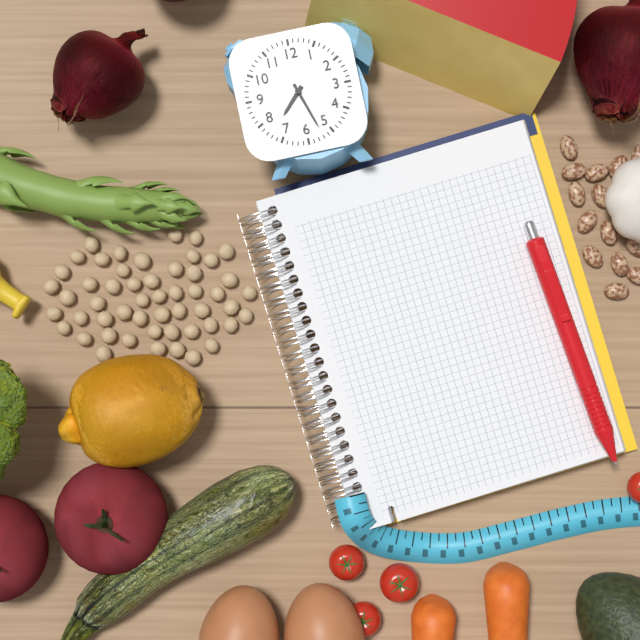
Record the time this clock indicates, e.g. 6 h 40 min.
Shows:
7 h 27 min
